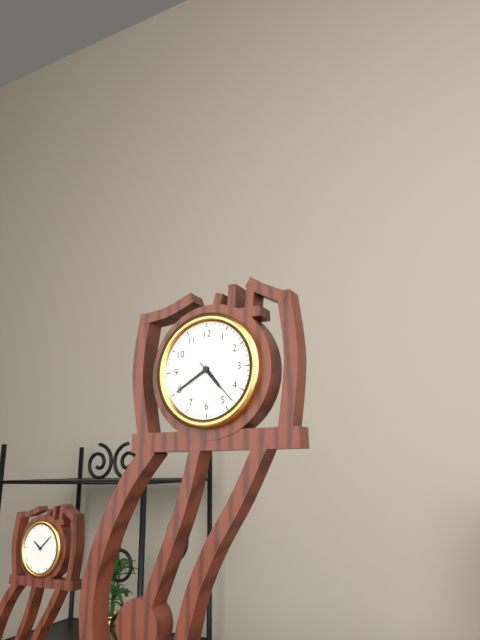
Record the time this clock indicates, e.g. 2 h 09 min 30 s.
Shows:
4 h 40 min 23 s
